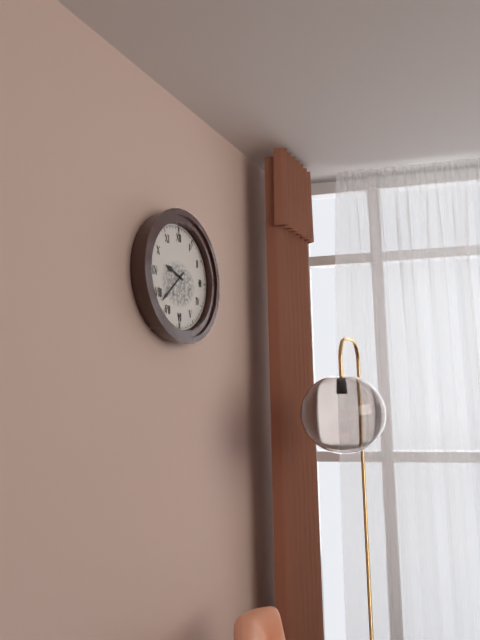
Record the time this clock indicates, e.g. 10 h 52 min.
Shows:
9 h 38 min
